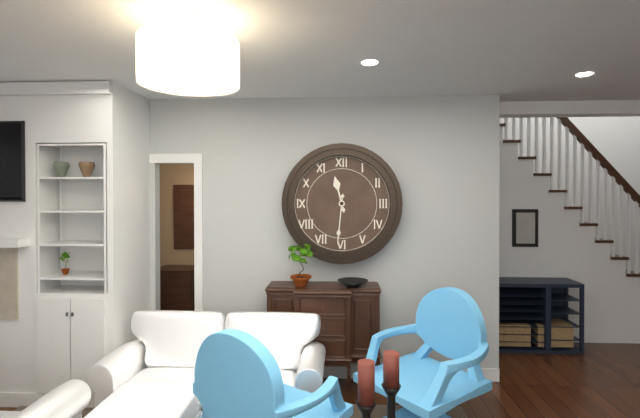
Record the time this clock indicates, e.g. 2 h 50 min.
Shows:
11 h 31 min
